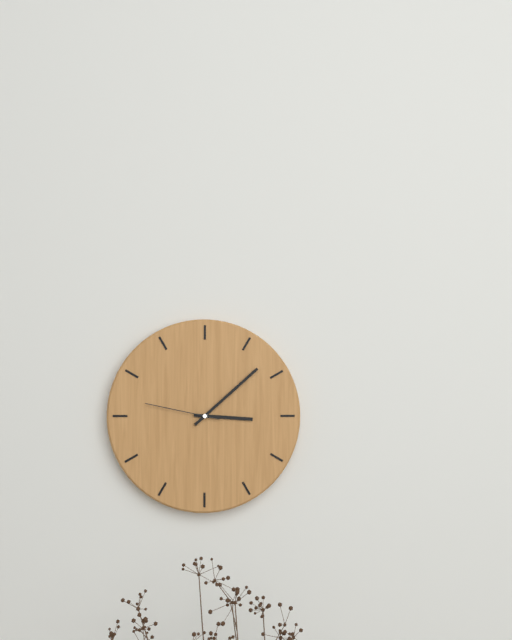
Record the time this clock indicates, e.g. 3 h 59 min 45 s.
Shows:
3 h 08 min 47 s
